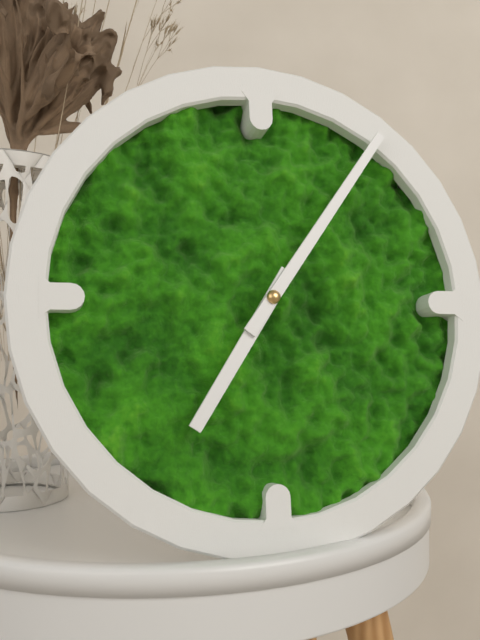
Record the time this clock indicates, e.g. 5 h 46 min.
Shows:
7 h 06 min
